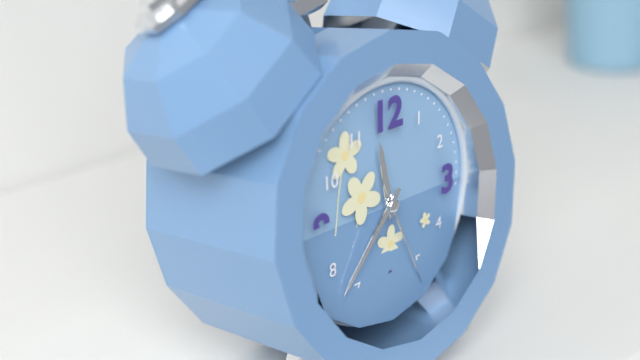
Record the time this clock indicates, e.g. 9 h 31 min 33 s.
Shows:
11 h 37 min 26 s
